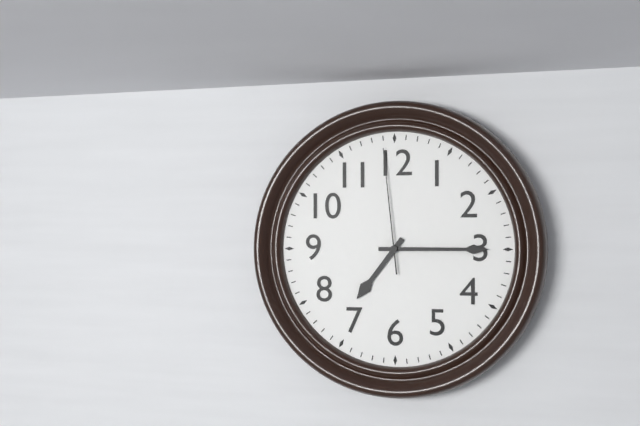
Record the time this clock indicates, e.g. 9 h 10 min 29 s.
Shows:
7 h 15 min 59 s
